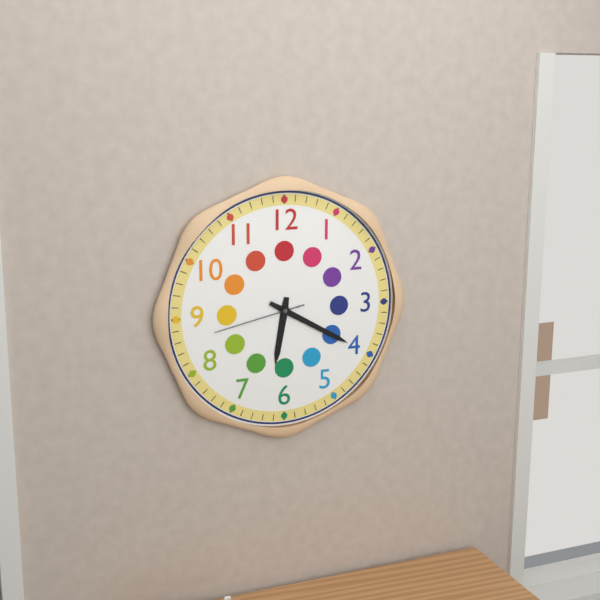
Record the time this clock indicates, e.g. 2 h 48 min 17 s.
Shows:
6 h 20 min 43 s
